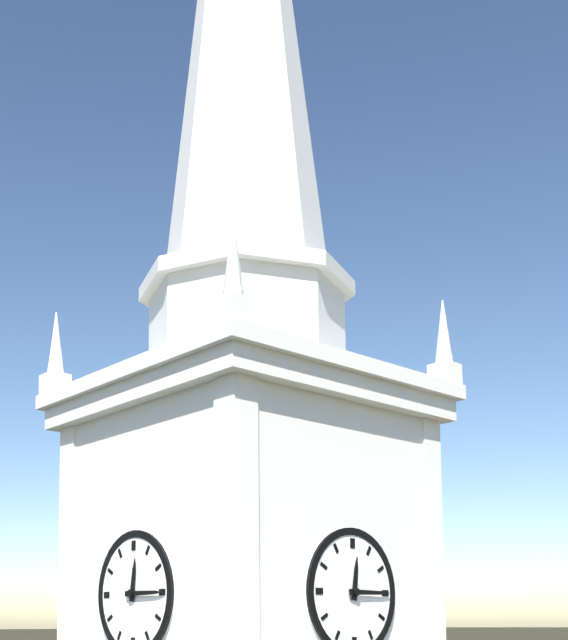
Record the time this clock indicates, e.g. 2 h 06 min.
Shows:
12 h 15 min
